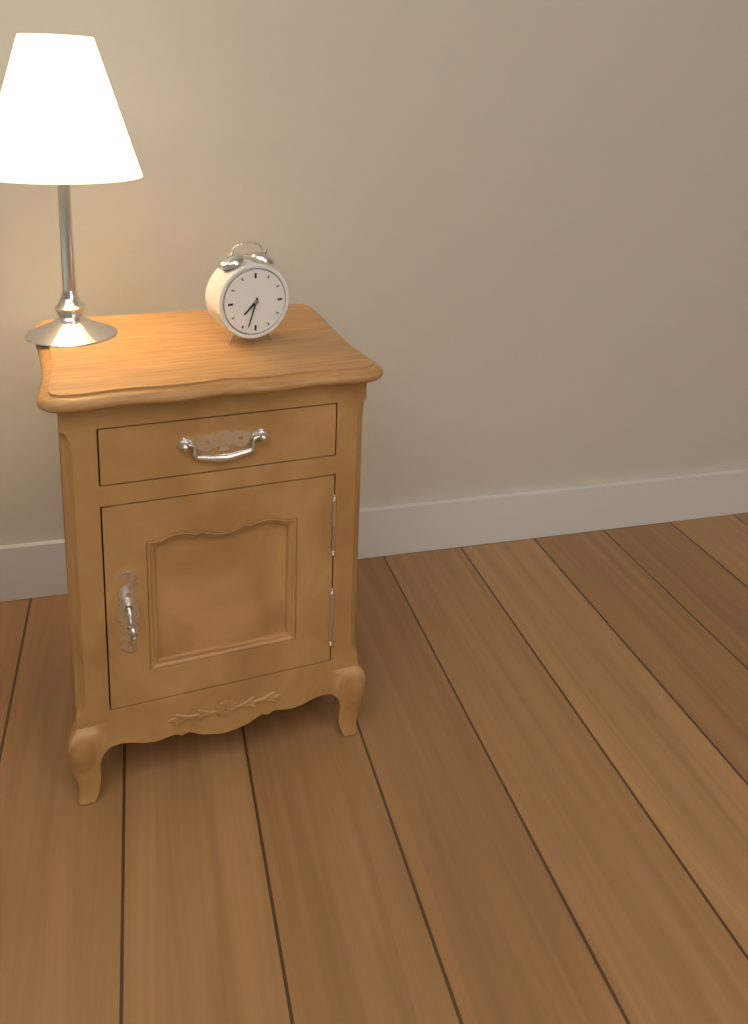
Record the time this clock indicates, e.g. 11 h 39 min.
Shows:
7 h 33 min
